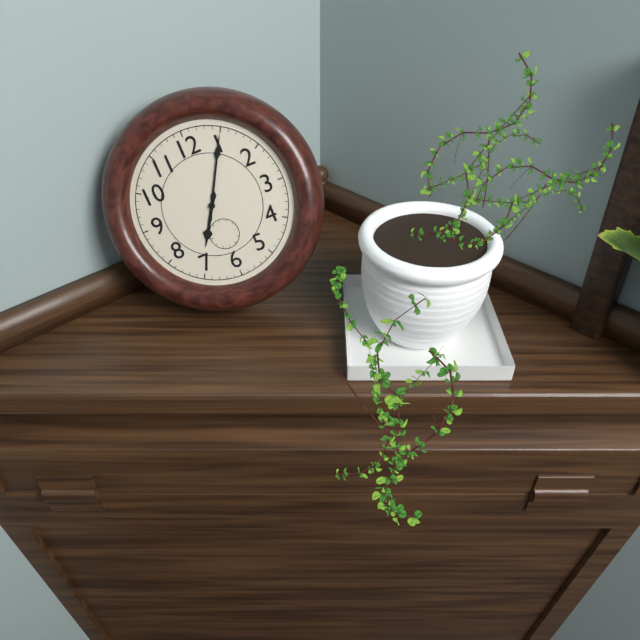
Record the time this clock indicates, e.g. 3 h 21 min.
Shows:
7 h 05 min
